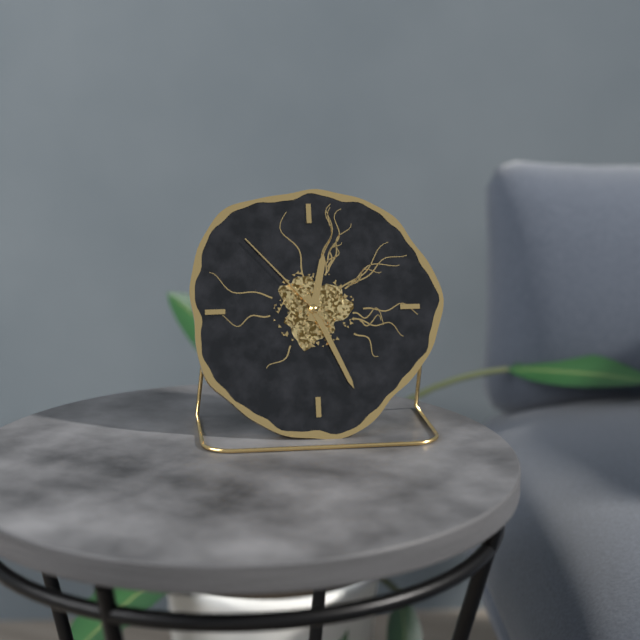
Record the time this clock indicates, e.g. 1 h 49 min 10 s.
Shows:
12 h 26 min 53 s
